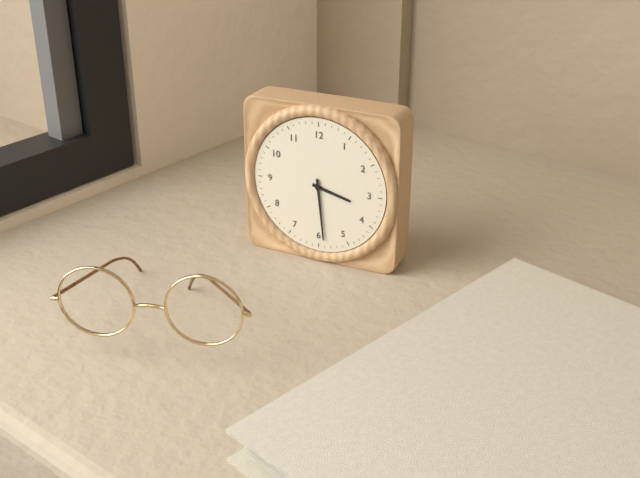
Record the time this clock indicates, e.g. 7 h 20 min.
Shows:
3 h 29 min
